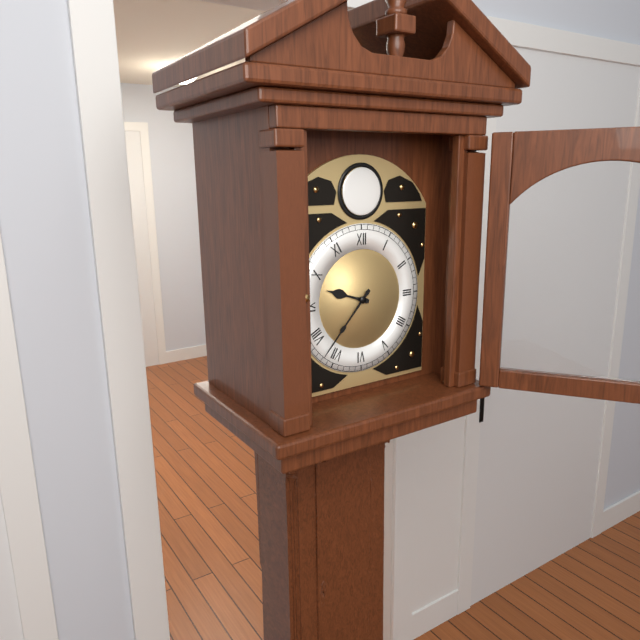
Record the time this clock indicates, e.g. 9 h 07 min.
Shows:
9 h 37 min
